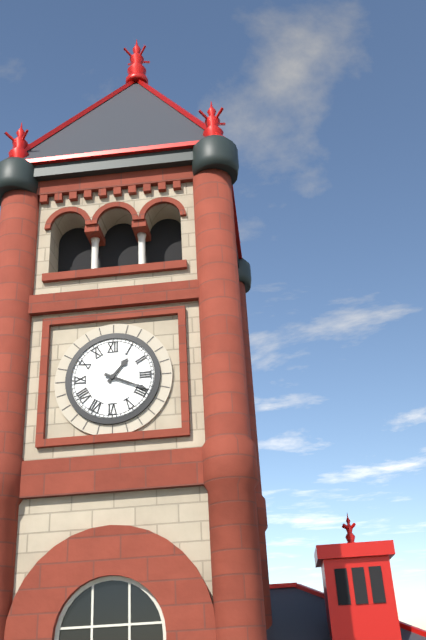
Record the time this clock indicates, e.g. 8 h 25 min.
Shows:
1 h 19 min
